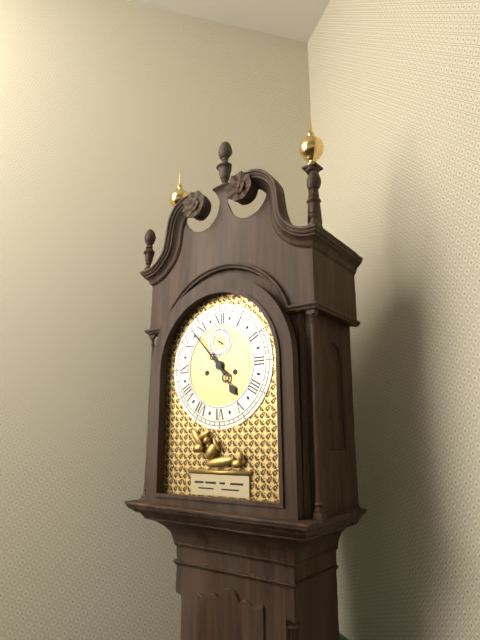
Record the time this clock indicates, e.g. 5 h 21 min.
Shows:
4 h 53 min
